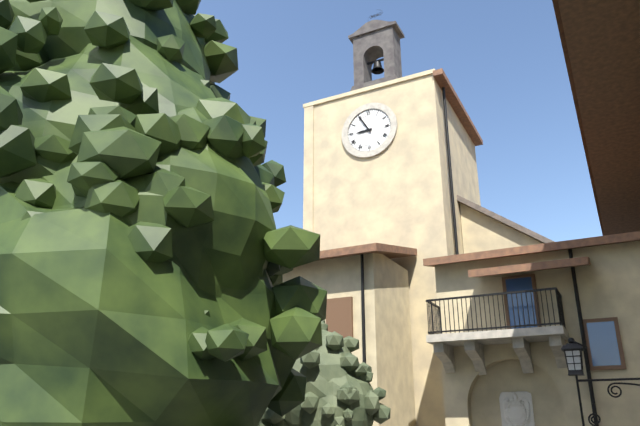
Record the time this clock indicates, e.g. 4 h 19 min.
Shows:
8 h 55 min
